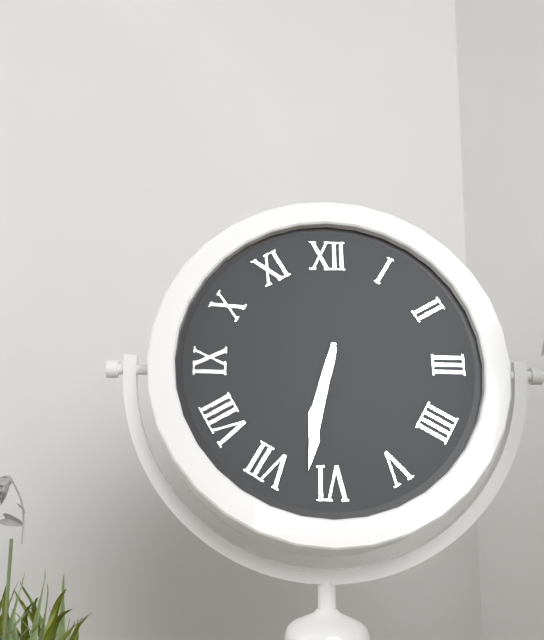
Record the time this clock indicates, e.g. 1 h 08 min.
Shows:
6 h 32 min
